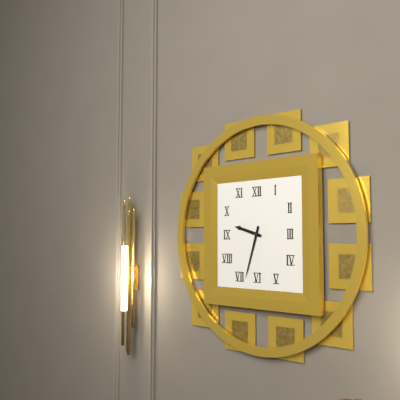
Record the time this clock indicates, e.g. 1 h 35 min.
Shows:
9 h 33 min
